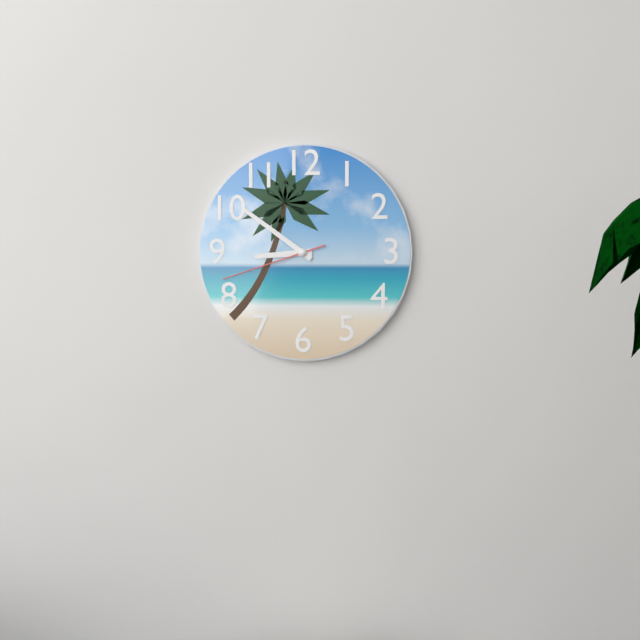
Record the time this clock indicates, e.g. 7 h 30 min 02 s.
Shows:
8 h 51 min 42 s
